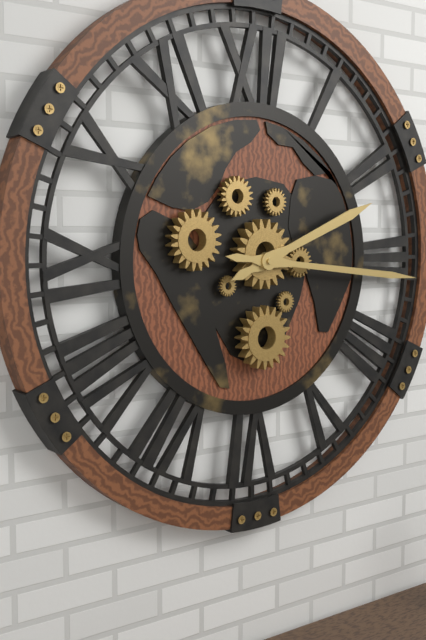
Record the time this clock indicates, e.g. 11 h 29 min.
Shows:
2 h 16 min
